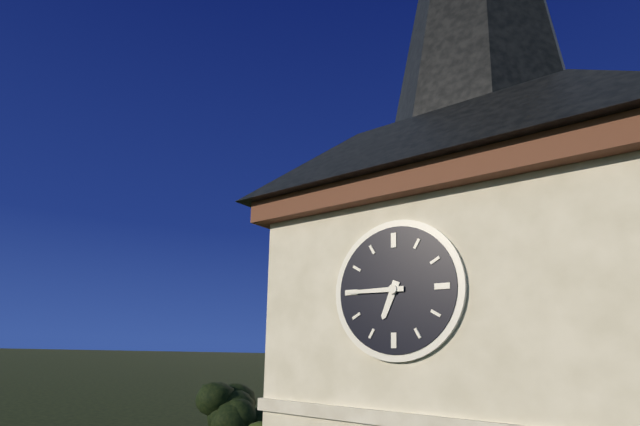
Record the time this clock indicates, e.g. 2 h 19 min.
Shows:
6 h 45 min
